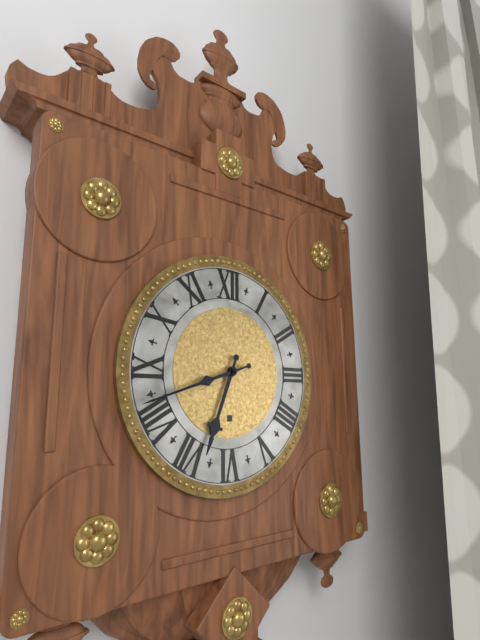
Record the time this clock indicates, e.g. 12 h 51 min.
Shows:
6 h 42 min
